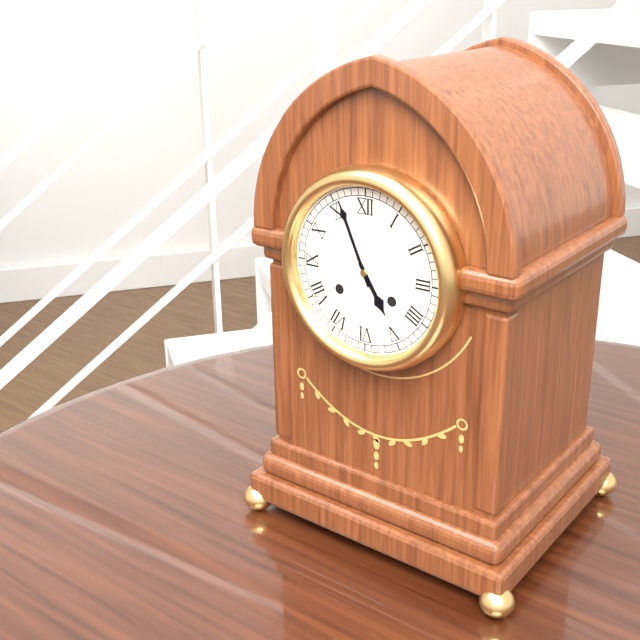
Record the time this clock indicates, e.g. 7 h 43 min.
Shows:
4 h 56 min
